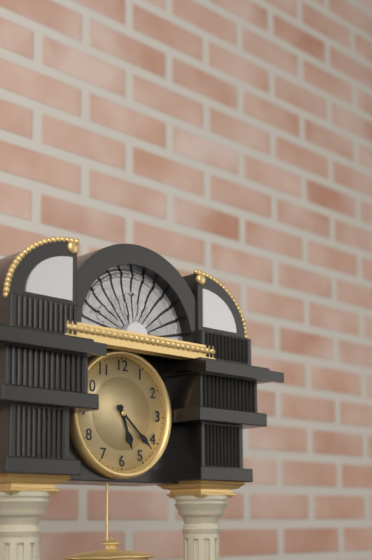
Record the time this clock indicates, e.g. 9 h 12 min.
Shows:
5 h 22 min
